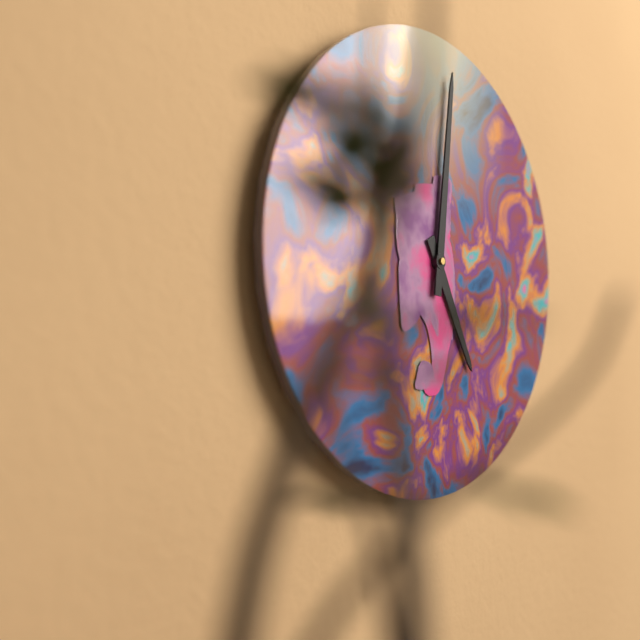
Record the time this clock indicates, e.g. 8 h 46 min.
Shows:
5 h 01 min
